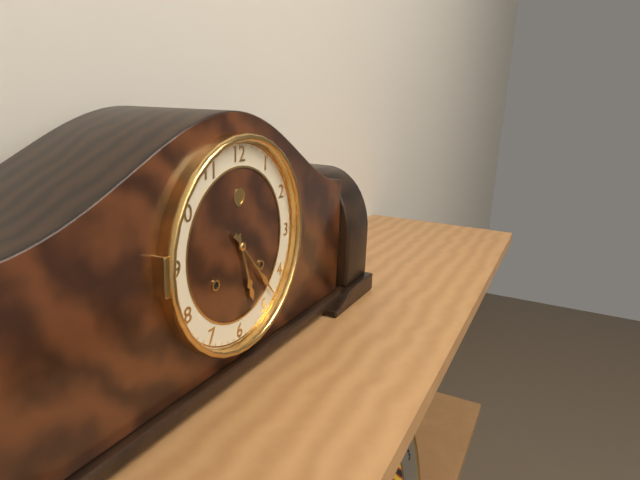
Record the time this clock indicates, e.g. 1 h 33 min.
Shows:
5 h 23 min
